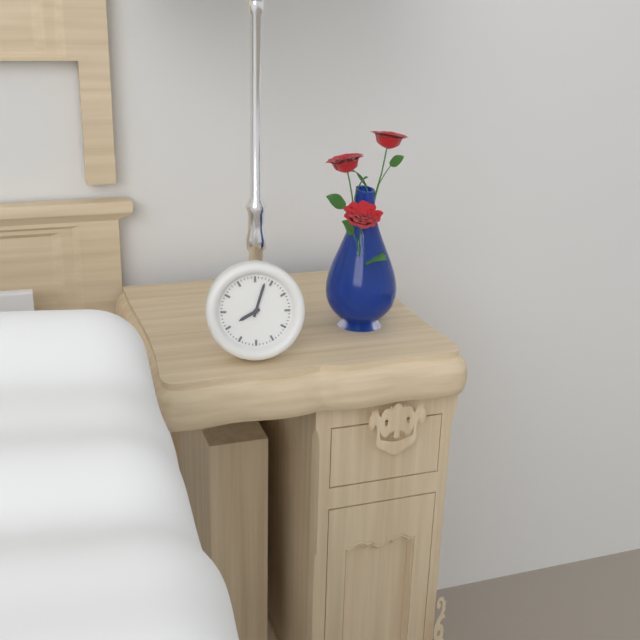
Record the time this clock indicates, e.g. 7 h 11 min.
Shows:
8 h 03 min
